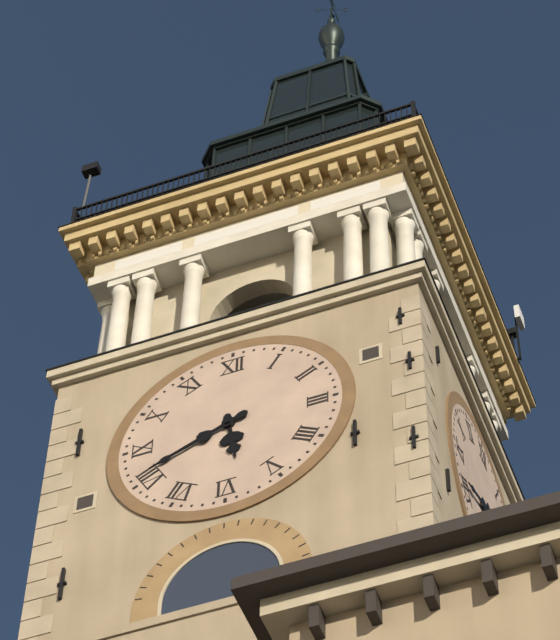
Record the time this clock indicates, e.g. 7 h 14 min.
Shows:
5 h 41 min
